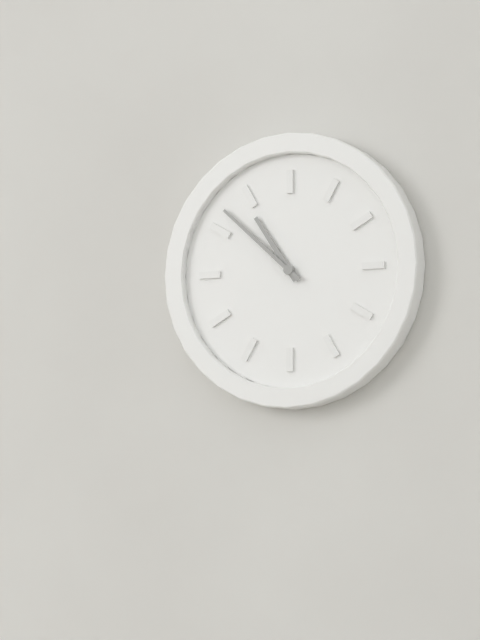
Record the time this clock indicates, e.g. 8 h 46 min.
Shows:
10 h 52 min
